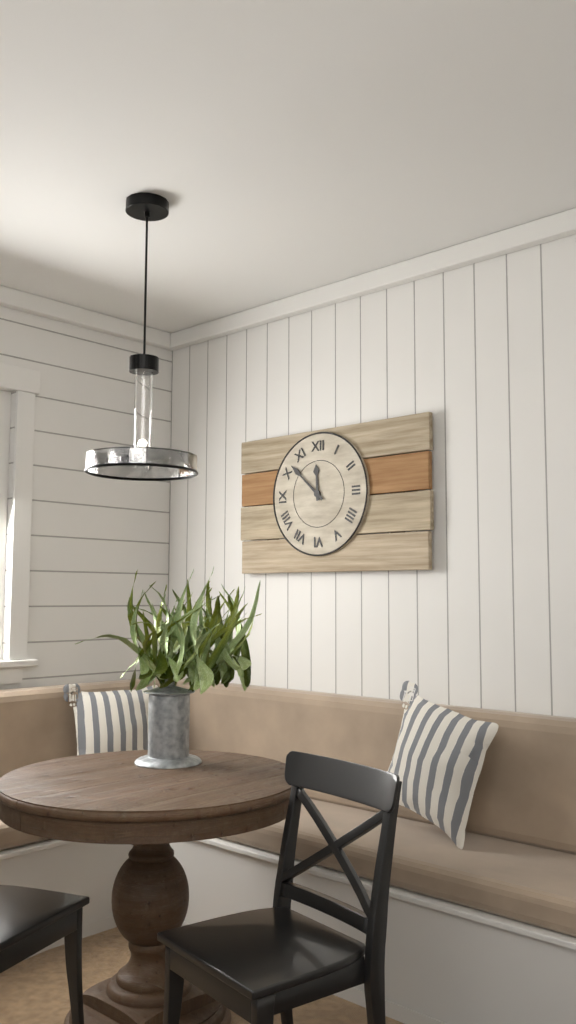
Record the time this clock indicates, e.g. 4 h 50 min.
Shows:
11 h 52 min
